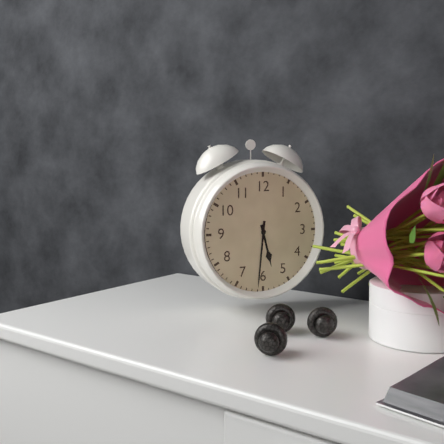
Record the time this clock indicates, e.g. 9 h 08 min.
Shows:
5 h 31 min
